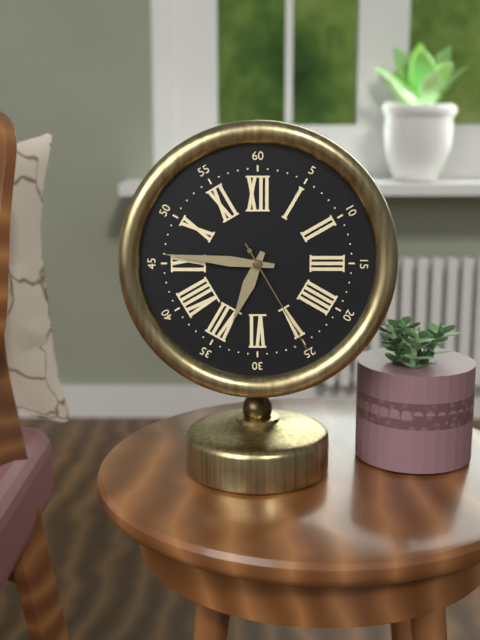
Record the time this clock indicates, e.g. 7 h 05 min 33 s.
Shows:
6 h 46 min 25 s
